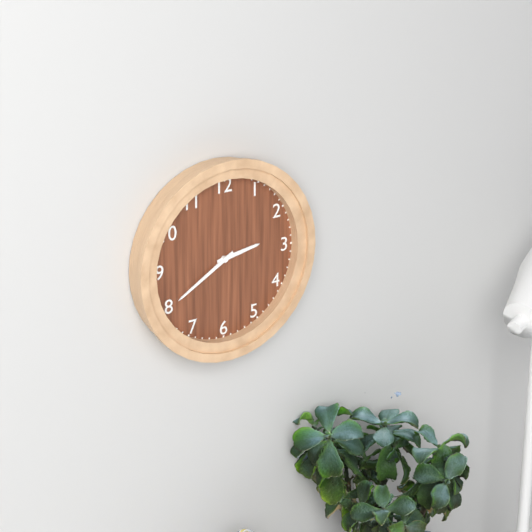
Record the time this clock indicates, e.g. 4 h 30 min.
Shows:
2 h 40 min
